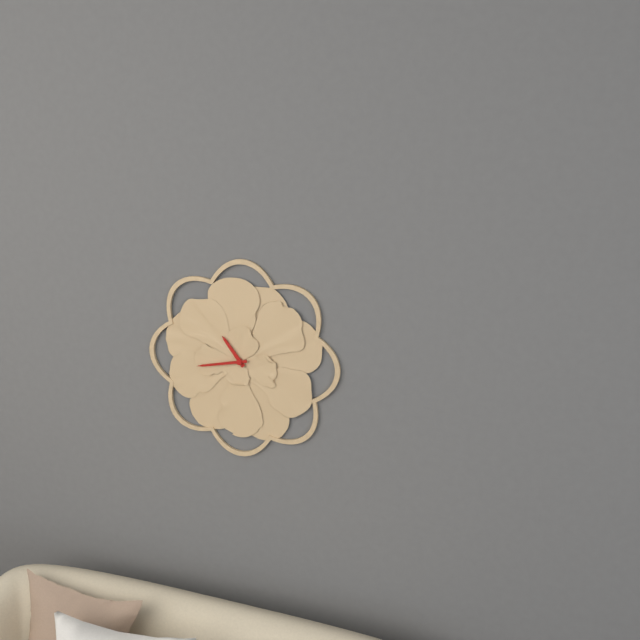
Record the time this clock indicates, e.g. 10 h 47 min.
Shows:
10 h 43 min
